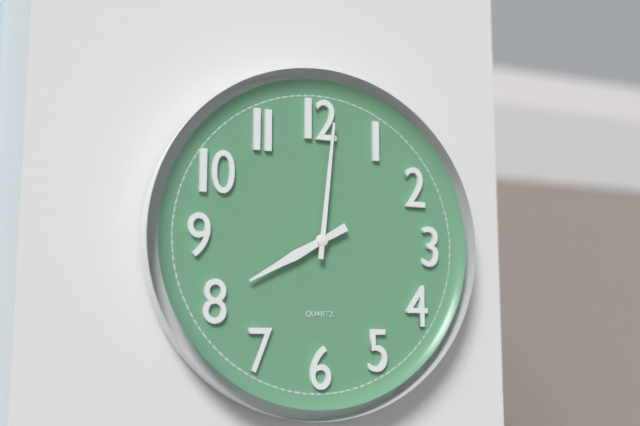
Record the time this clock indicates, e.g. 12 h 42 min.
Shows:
8 h 01 min
